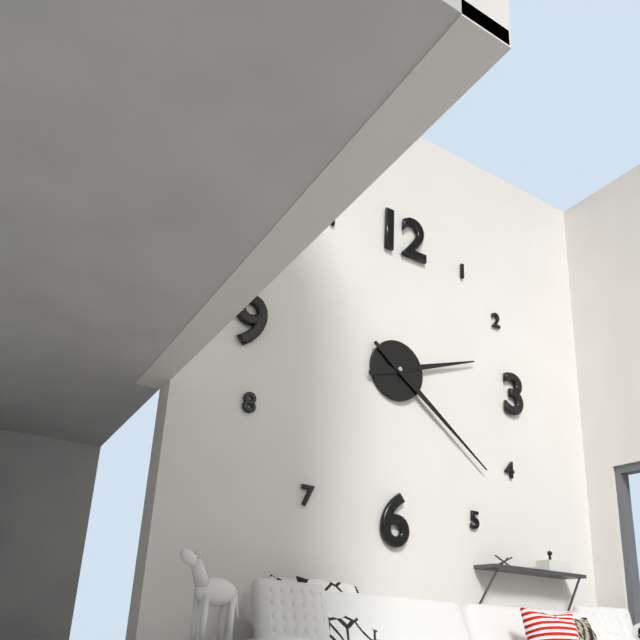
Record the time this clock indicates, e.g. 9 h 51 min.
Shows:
2 h 21 min
